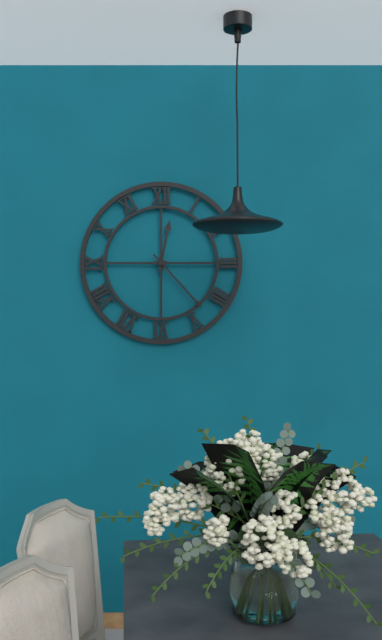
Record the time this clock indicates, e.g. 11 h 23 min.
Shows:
12 h 23 min
